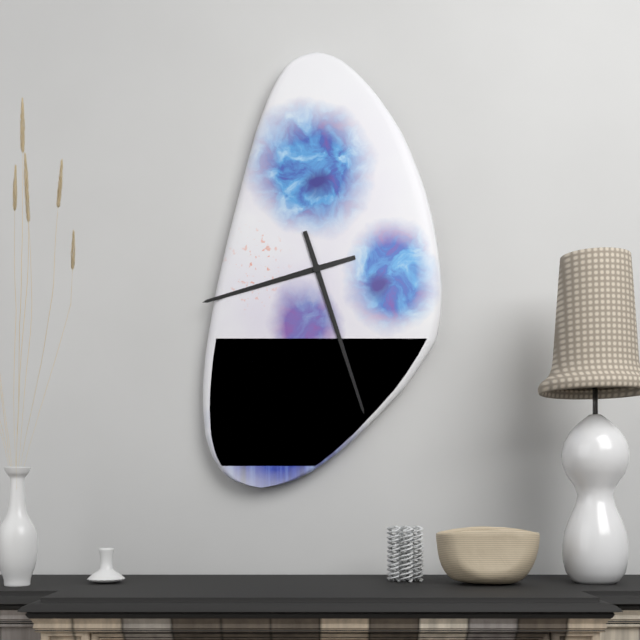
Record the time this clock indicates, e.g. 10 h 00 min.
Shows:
8 h 27 min
